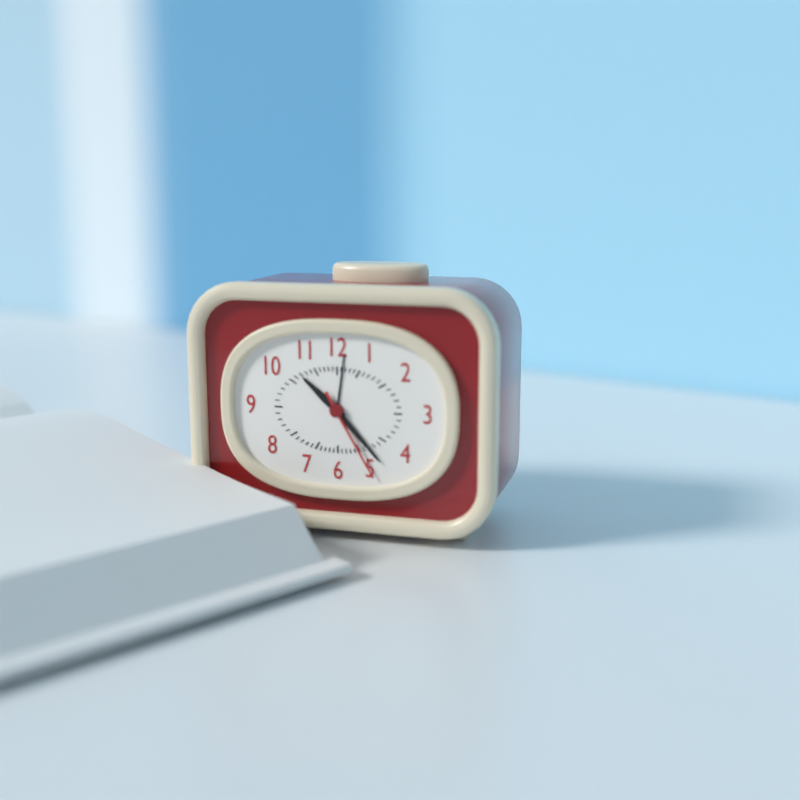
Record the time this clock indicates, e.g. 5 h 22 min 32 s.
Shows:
10 h 23 min 25 s
